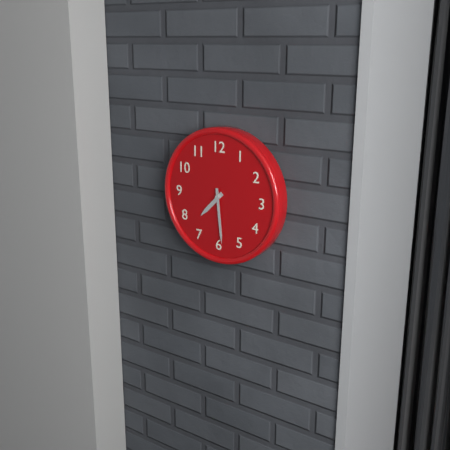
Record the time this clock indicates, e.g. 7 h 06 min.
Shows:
7 h 29 min
